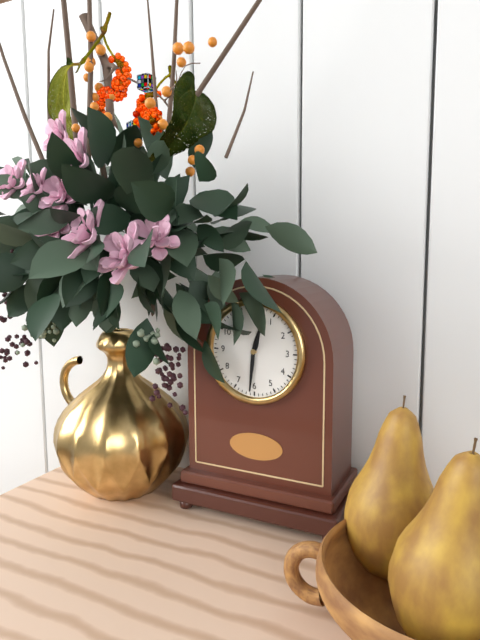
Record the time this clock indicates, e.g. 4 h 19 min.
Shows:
12 h 31 min
